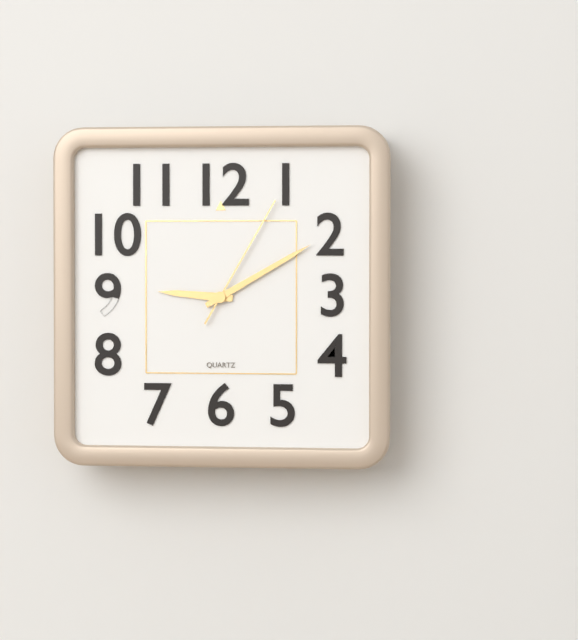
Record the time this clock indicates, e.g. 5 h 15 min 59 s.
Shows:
9 h 10 min 05 s
